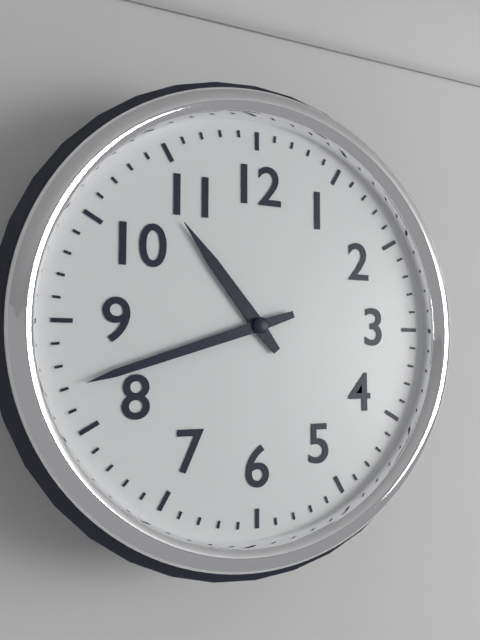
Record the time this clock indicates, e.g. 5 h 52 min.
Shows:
10 h 42 min
